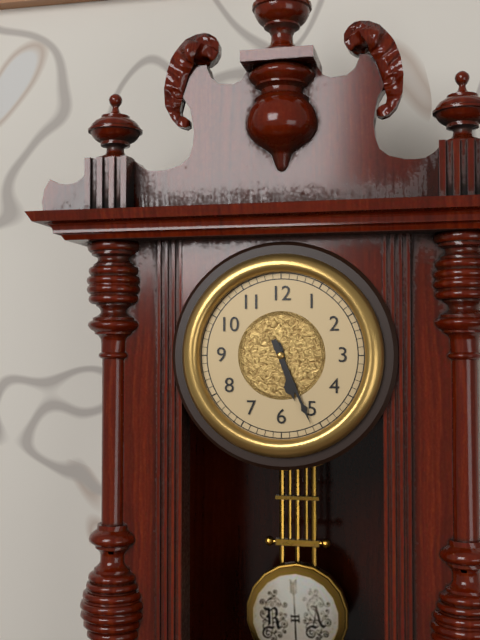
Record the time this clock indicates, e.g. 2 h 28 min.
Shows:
5 h 26 min
